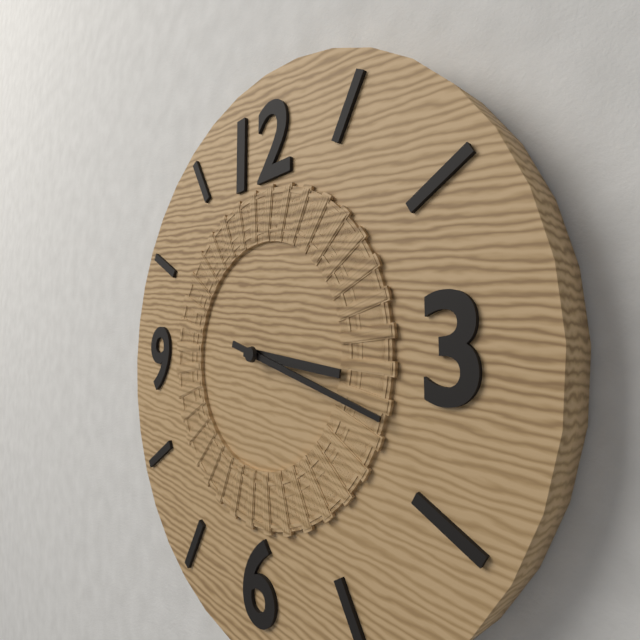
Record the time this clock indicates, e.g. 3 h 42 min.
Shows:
3 h 18 min
